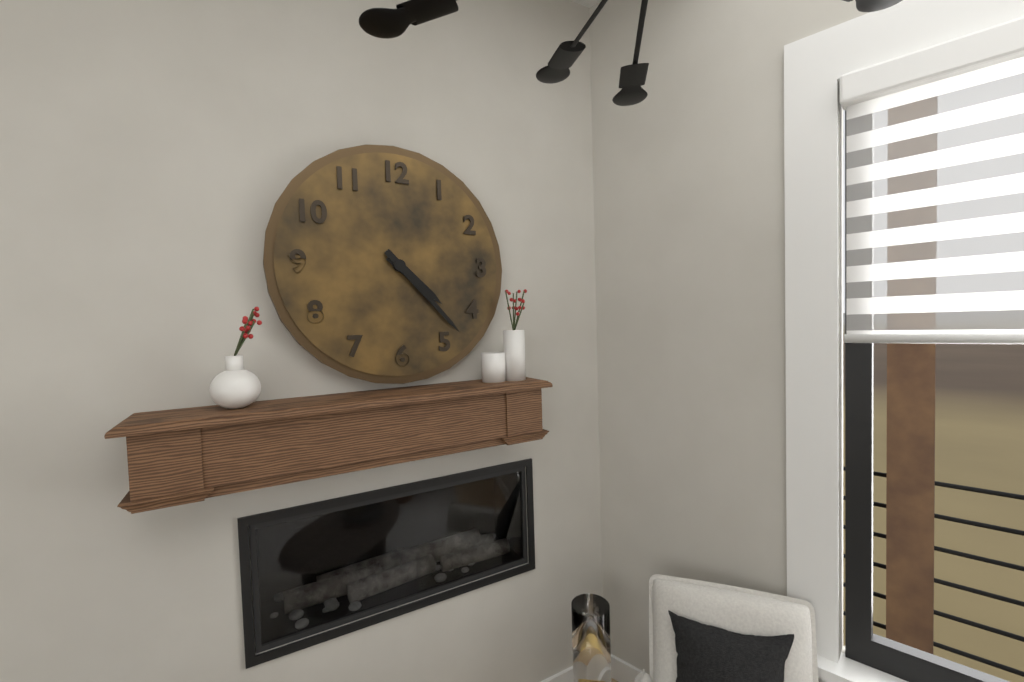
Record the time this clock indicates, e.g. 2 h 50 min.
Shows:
4 h 23 min
